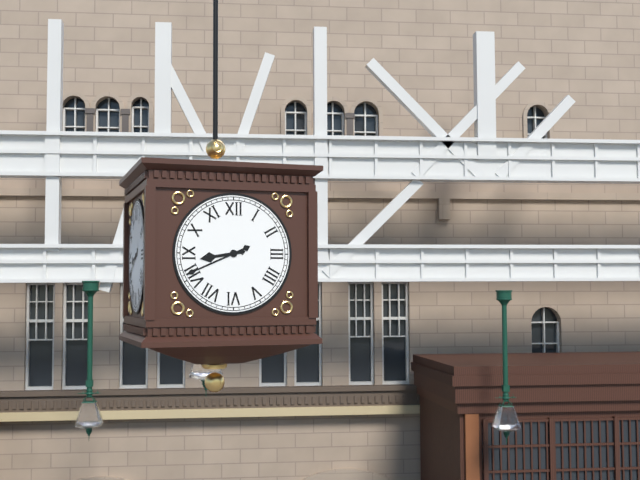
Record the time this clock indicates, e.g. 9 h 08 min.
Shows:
8 h 41 min
